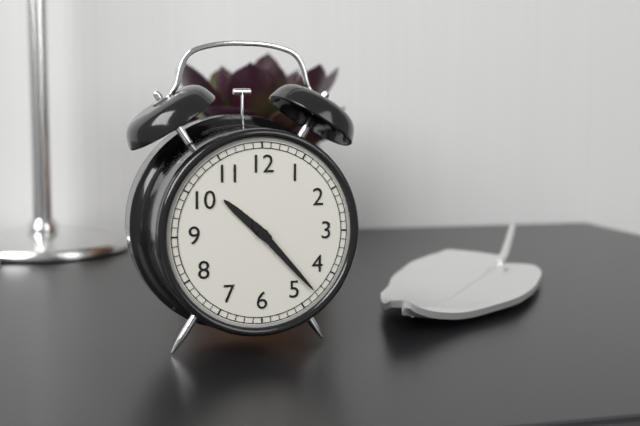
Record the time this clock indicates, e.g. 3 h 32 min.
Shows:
10 h 23 min
